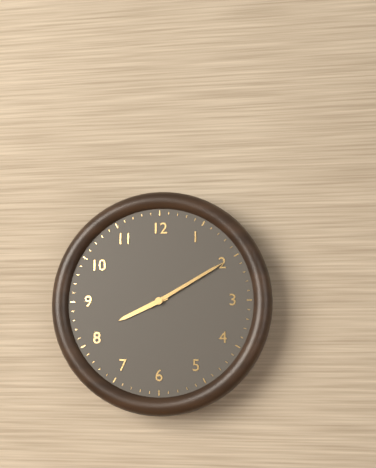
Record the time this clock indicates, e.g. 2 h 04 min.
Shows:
8 h 10 min
